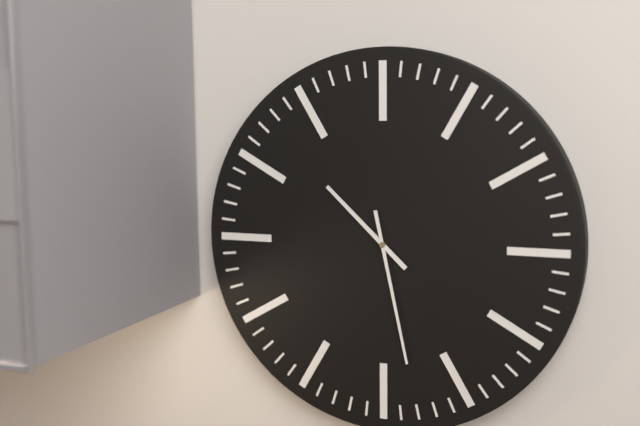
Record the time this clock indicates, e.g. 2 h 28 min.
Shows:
10 h 28 min
